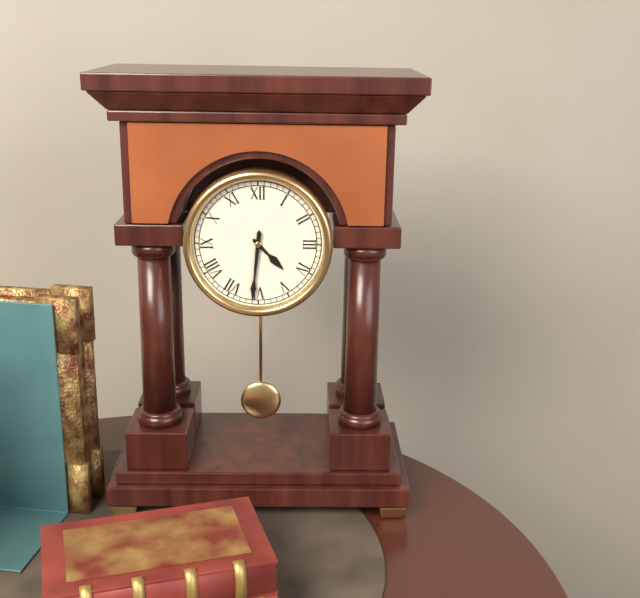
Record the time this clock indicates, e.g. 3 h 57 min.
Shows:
4 h 31 min
